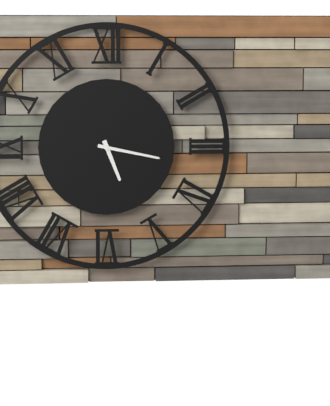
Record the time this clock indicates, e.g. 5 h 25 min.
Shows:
5 h 17 min
